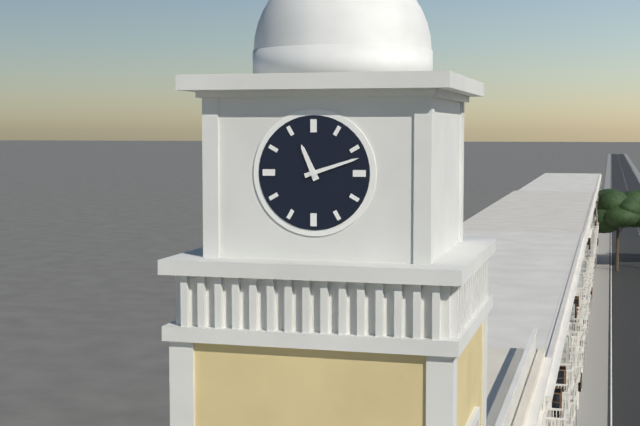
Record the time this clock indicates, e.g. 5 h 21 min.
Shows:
11 h 12 min
